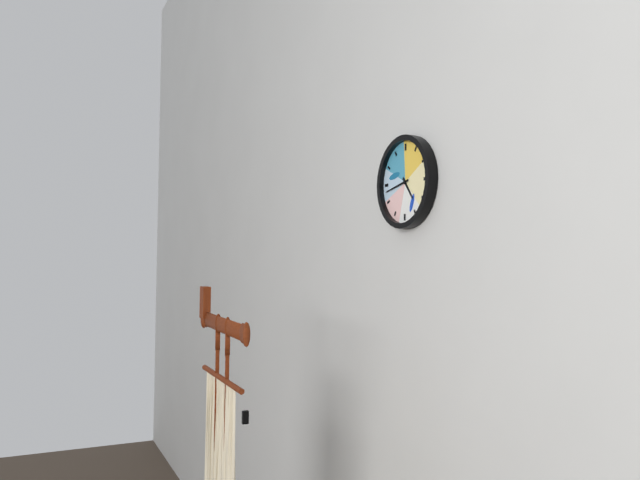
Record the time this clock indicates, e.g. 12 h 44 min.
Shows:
4 h 43 min
